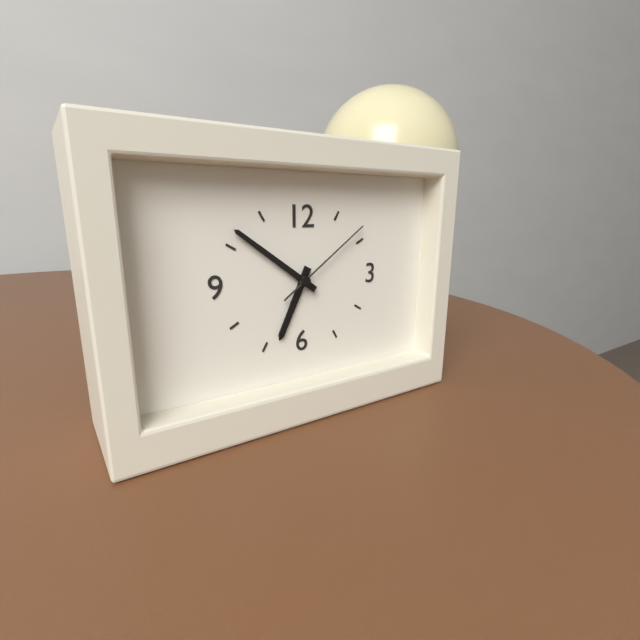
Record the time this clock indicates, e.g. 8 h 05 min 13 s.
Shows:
6 h 51 min 09 s
